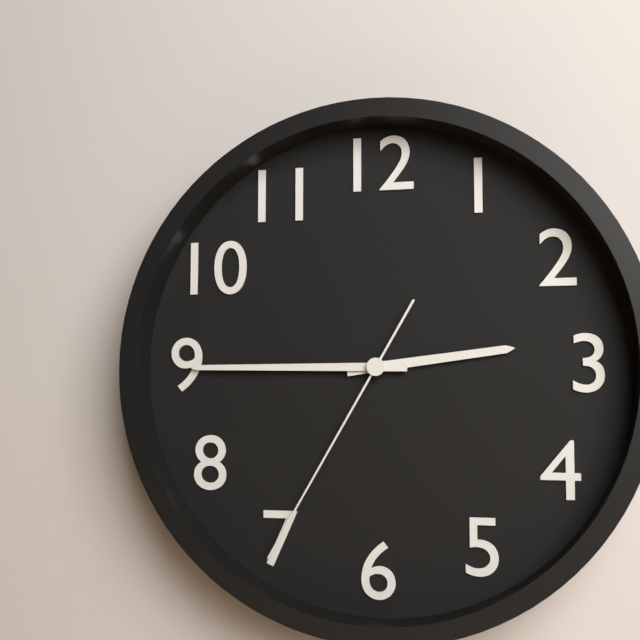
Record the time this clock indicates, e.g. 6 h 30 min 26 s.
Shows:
2 h 45 min 35 s
